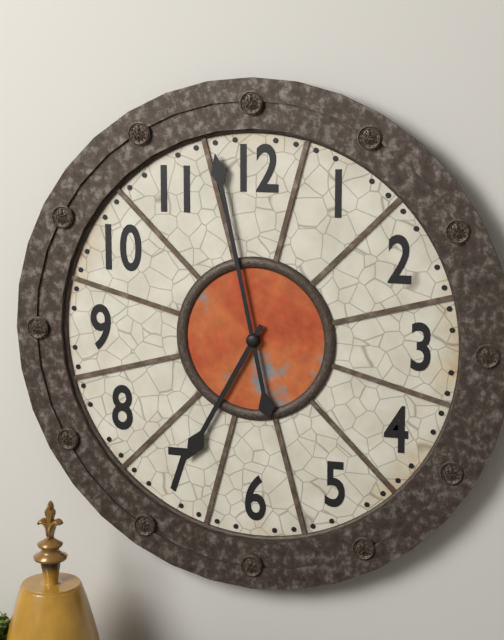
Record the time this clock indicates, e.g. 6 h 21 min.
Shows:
6 h 58 min
